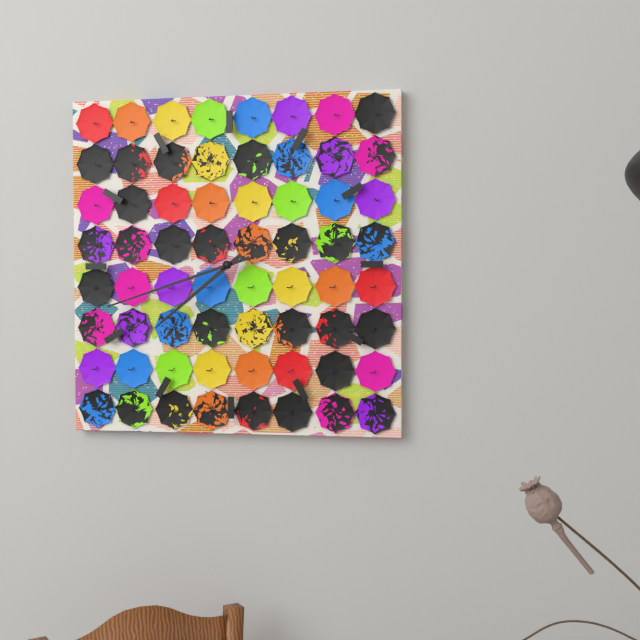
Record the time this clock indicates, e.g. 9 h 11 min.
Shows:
7 h 42 min
